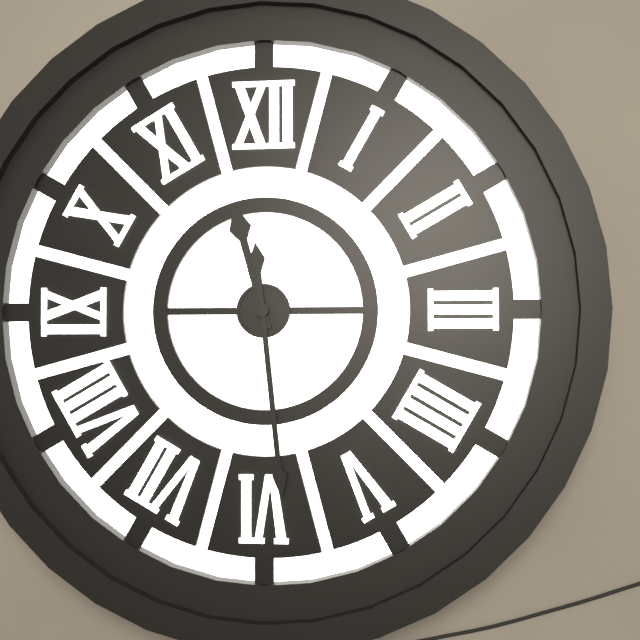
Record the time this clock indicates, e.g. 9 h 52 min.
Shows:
11 h 29 min
